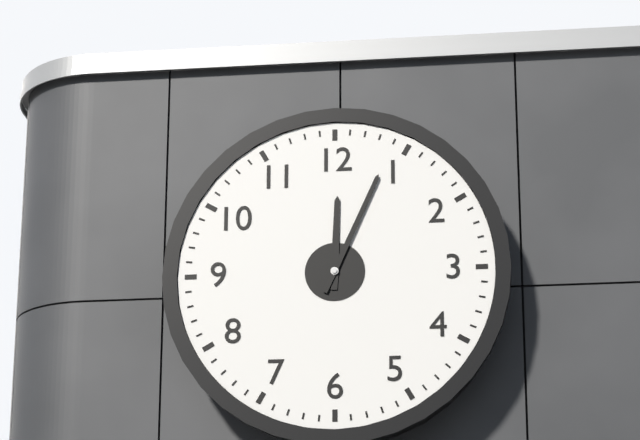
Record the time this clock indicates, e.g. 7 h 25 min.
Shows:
12 h 04 min
